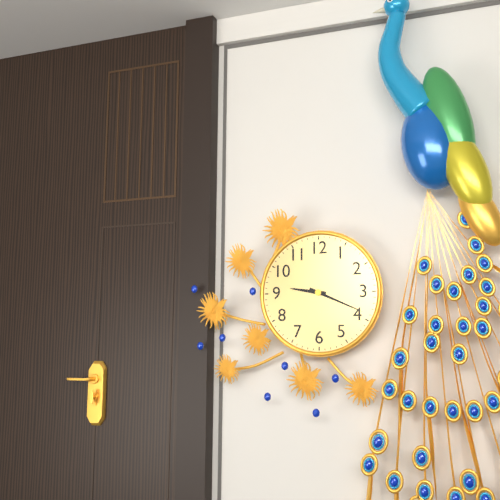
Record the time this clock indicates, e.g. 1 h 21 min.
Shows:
9 h 19 min
